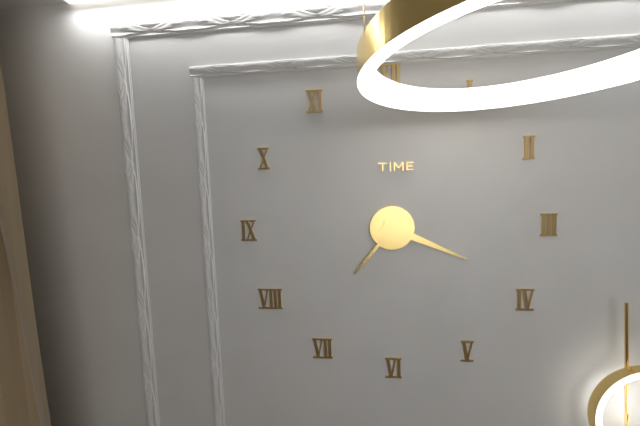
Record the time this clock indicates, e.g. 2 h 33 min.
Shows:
7 h 19 min
